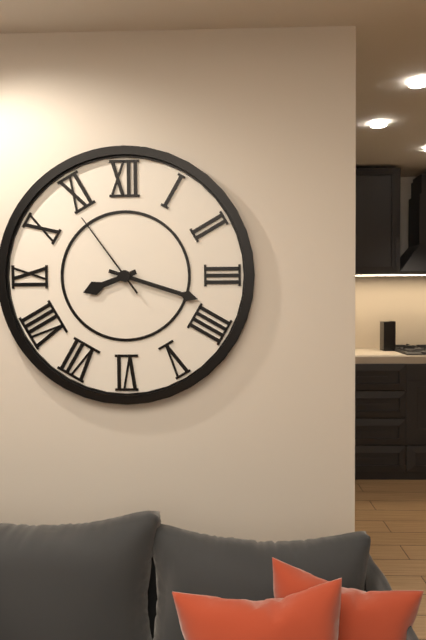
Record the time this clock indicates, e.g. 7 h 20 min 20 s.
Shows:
8 h 18 min 54 s
